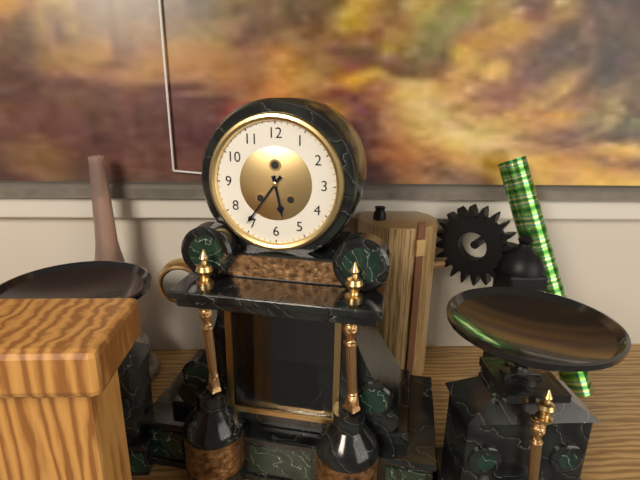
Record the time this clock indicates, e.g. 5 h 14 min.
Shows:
5 h 36 min
